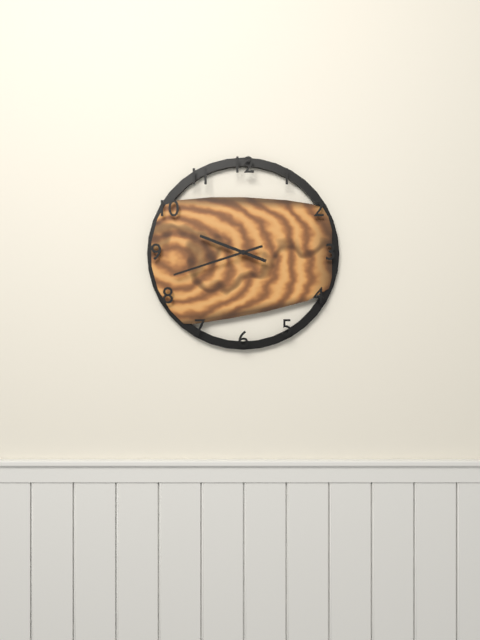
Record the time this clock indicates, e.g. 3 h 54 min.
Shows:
9 h 42 min
